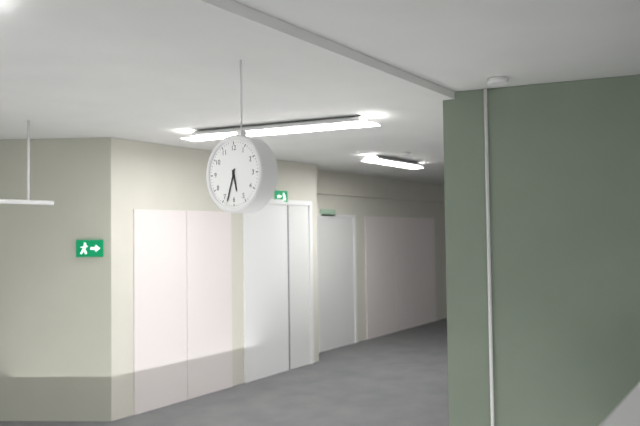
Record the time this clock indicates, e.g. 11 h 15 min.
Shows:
5 h 33 min
